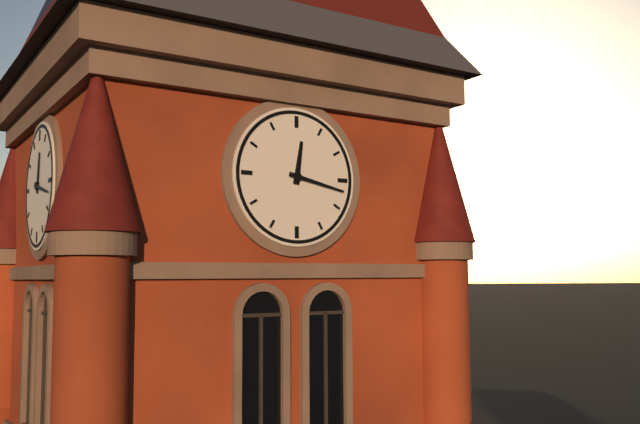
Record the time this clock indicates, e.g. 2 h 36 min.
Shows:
12 h 17 min
